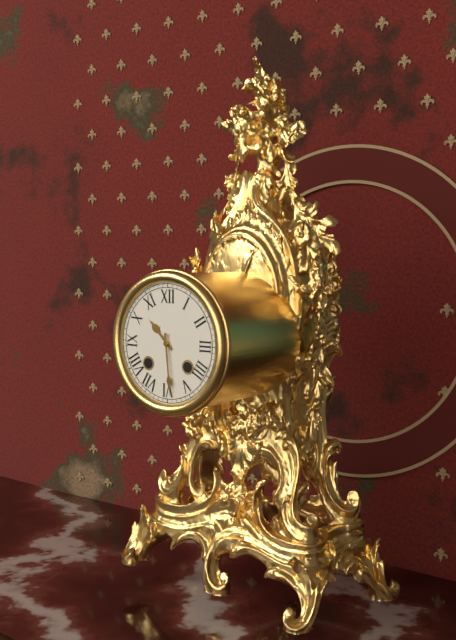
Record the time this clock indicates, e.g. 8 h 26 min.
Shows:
10 h 29 min
